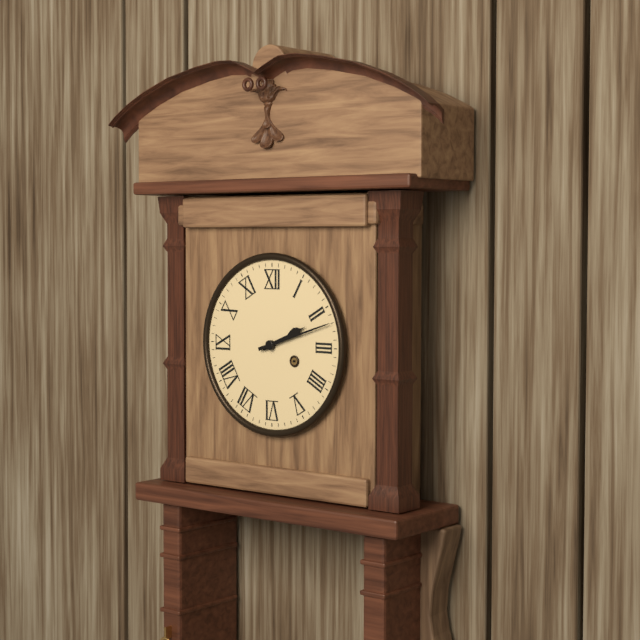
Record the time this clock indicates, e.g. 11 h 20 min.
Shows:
2 h 12 min
